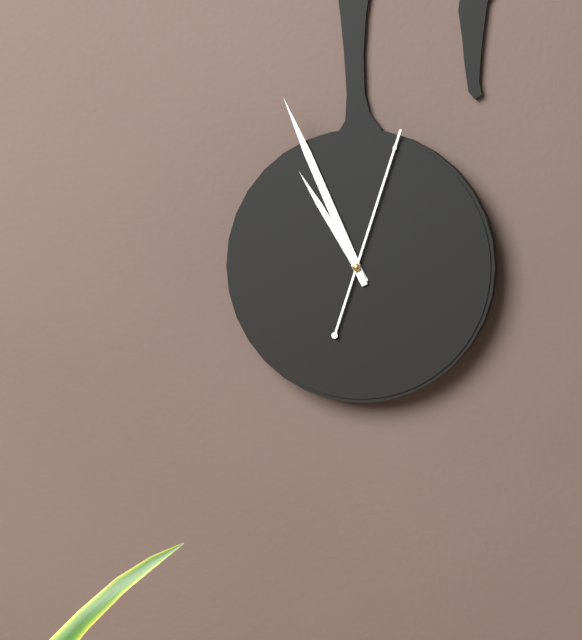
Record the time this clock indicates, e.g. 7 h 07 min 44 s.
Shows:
10 h 56 min 03 s
